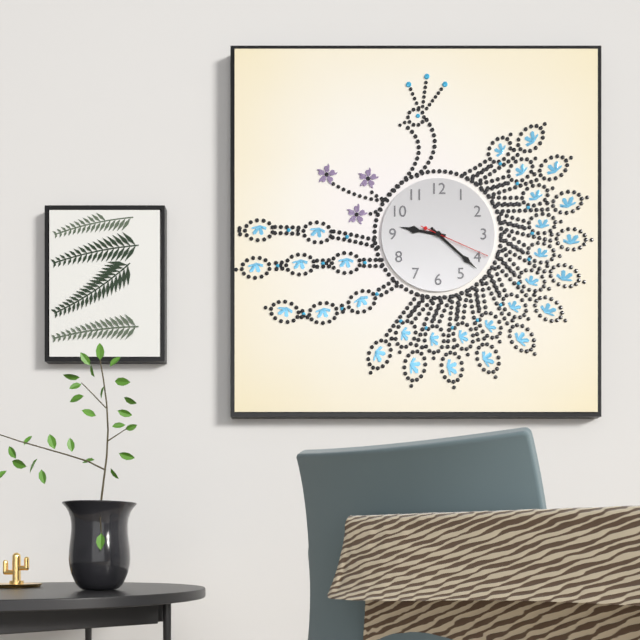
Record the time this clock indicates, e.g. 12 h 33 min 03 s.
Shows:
9 h 22 min 19 s
